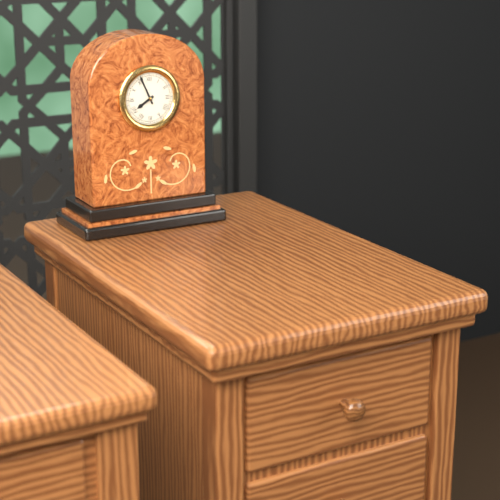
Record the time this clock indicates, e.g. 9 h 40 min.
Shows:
7 h 56 min
